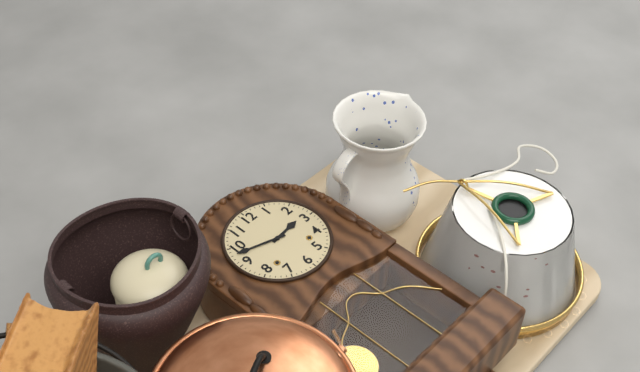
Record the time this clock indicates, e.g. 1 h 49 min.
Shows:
2 h 48 min
